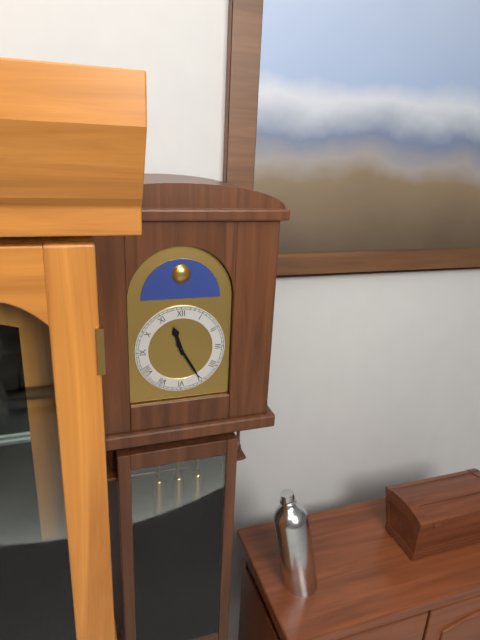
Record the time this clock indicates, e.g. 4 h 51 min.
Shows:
11 h 25 min
